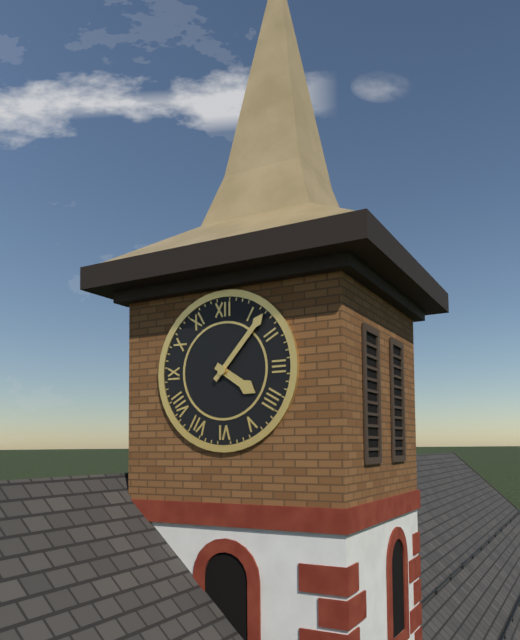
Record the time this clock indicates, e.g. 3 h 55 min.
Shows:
4 h 07 min
